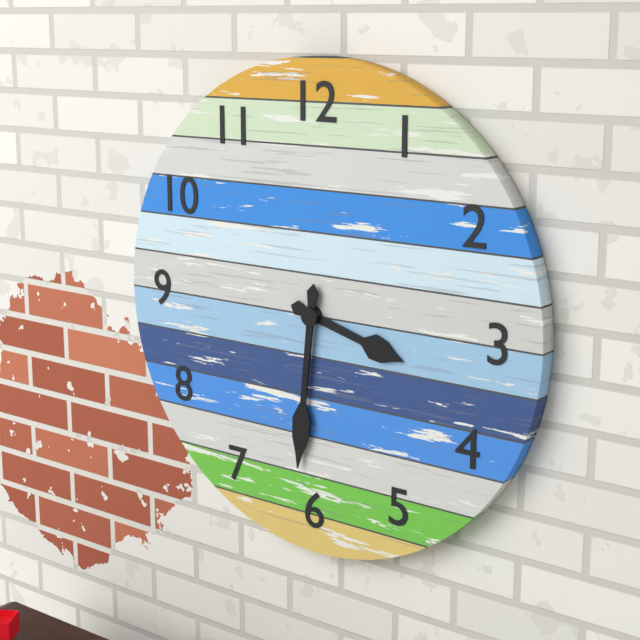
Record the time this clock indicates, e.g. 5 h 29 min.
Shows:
3 h 31 min
